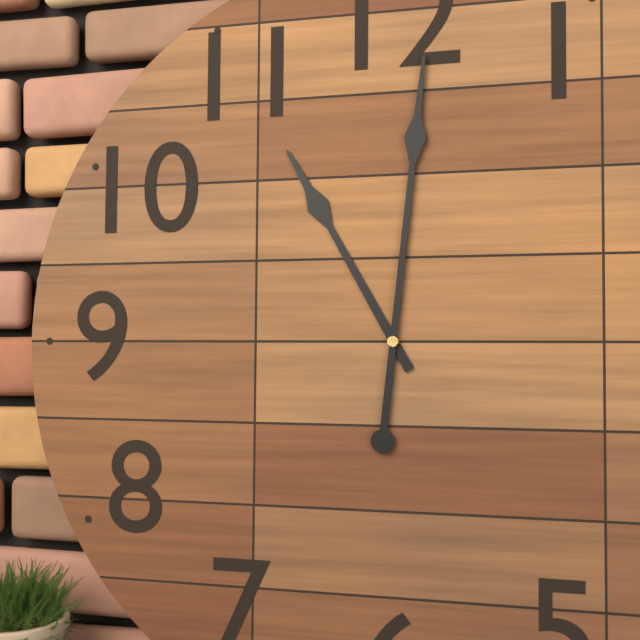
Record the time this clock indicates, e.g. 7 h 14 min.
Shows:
11 h 01 min
